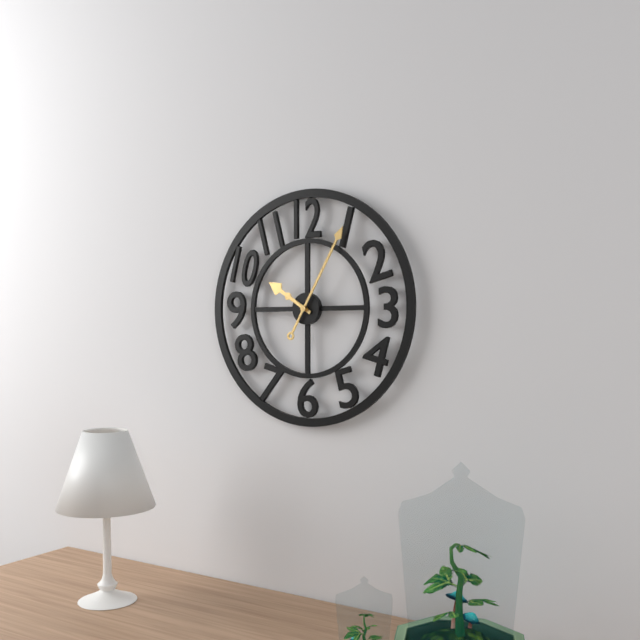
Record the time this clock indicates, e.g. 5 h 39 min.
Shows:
10 h 05 min
